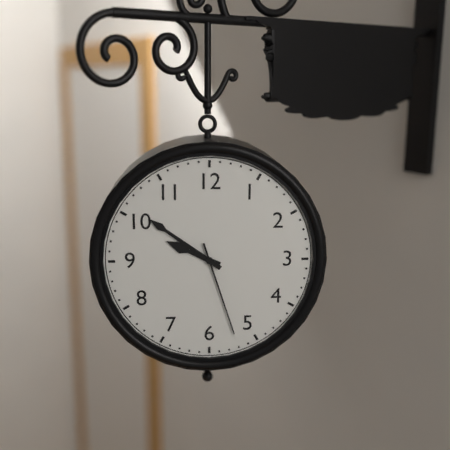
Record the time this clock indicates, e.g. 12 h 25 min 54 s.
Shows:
9 h 51 min 27 s
